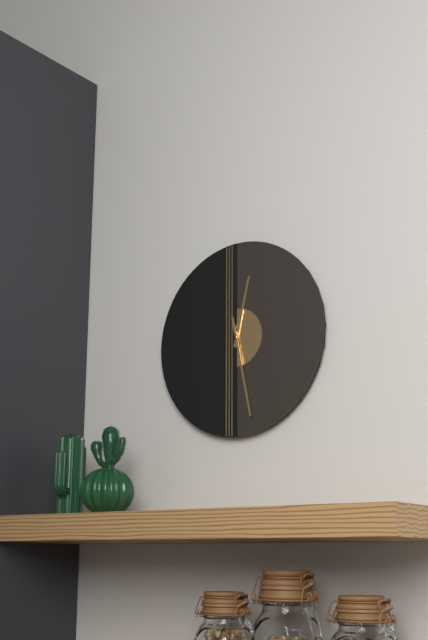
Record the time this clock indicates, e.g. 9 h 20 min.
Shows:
12 h 28 min
